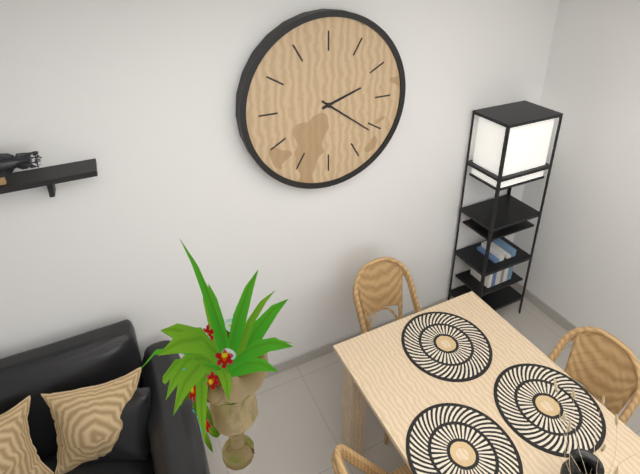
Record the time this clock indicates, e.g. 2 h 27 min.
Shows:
2 h 21 min
